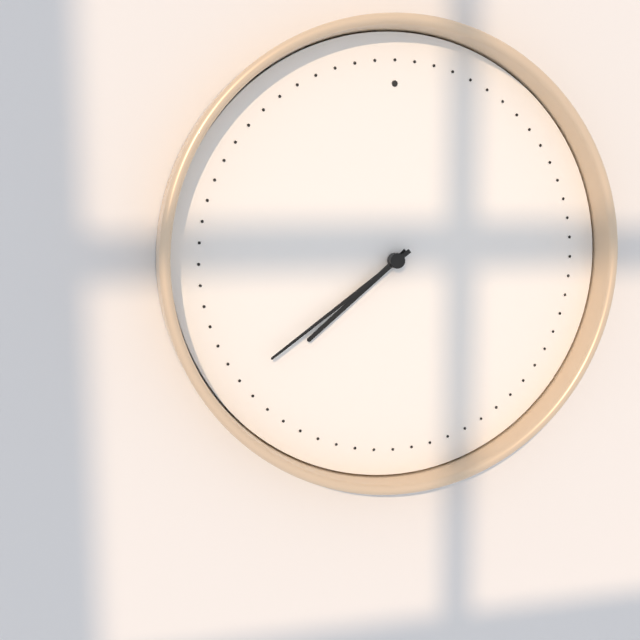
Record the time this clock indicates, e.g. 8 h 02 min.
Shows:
7 h 39 min
